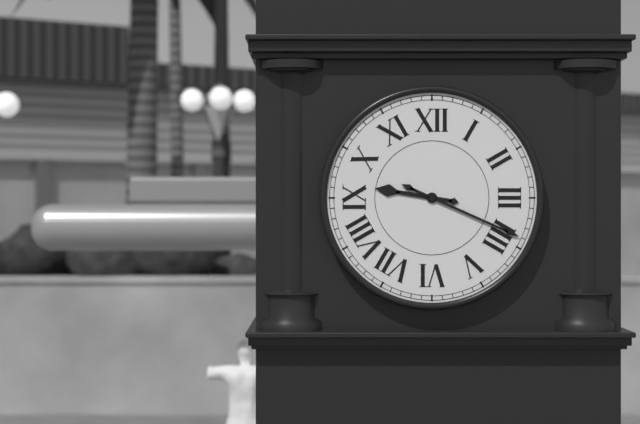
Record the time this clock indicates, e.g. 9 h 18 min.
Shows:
9 h 19 min
